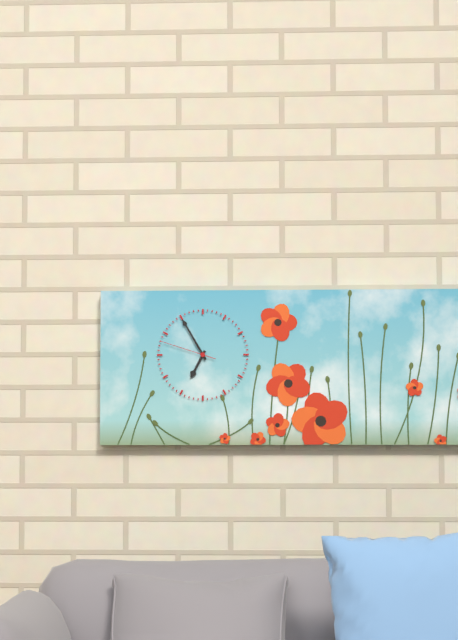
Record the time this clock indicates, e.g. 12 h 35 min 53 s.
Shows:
6 h 55 min 48 s
